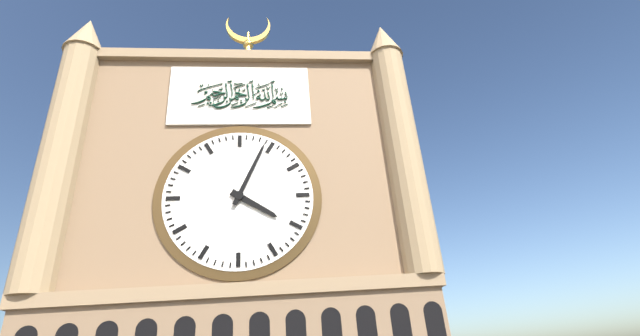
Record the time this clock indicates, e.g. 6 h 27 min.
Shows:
4 h 04 min
